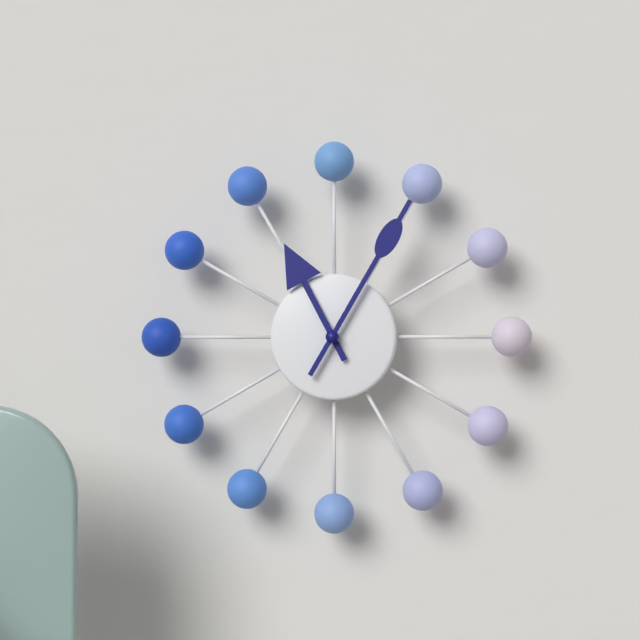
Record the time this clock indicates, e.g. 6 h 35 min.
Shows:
11 h 05 min
